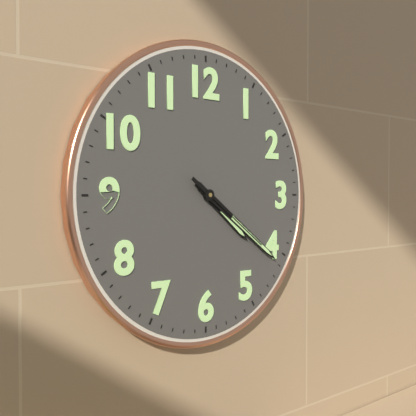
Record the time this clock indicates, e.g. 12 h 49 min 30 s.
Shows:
4 h 21 min 21 s
